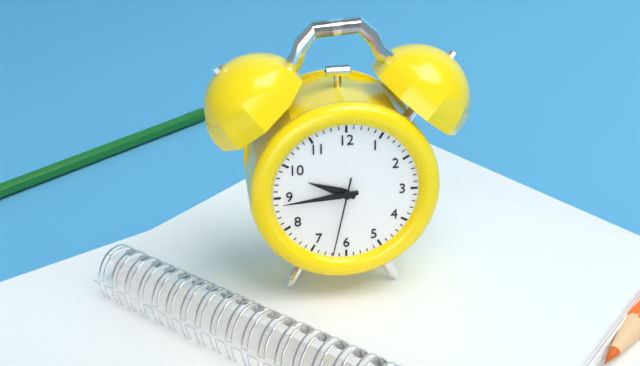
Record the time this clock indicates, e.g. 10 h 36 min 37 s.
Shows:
9 h 44 min 32 s
